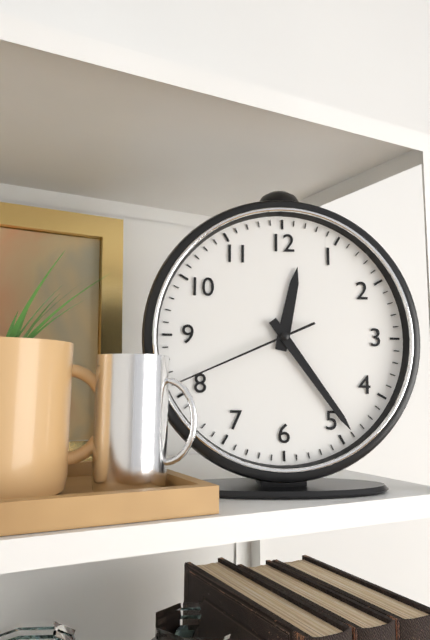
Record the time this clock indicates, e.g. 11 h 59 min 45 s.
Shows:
12 h 24 min 41 s
